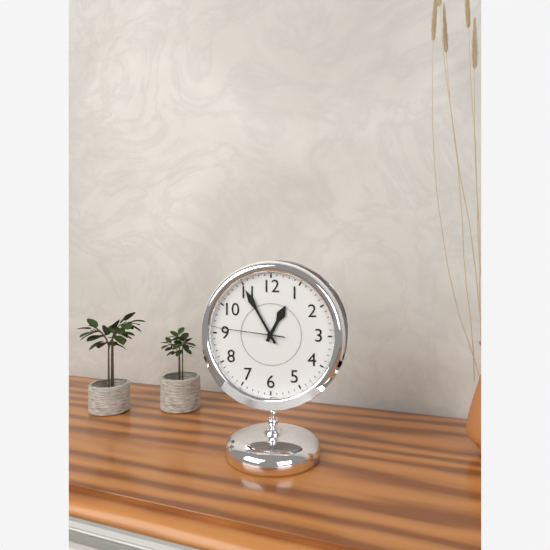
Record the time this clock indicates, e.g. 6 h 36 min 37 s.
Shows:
12 h 55 min 46 s
